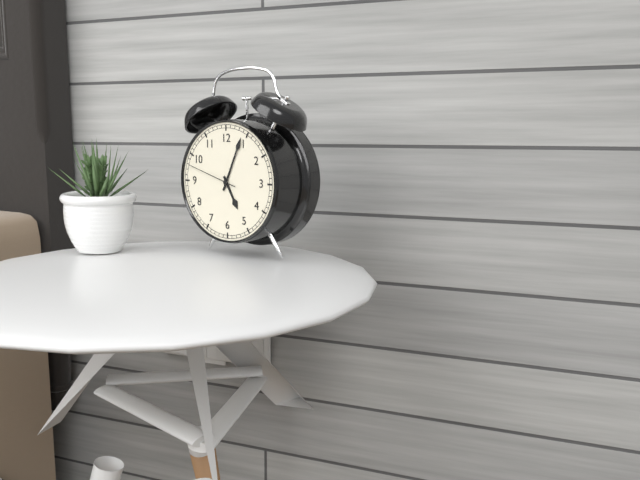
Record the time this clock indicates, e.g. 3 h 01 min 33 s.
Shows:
5 h 04 min 48 s
